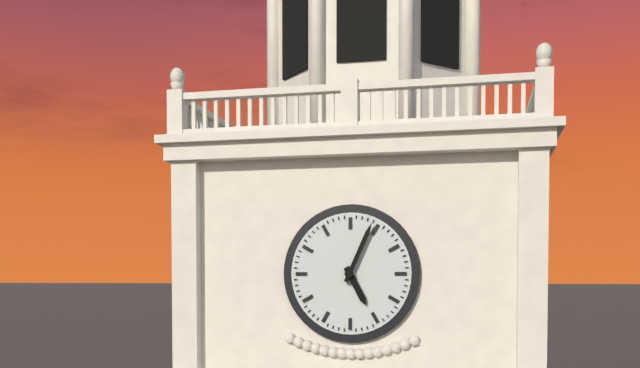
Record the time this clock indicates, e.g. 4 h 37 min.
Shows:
5 h 04 min
